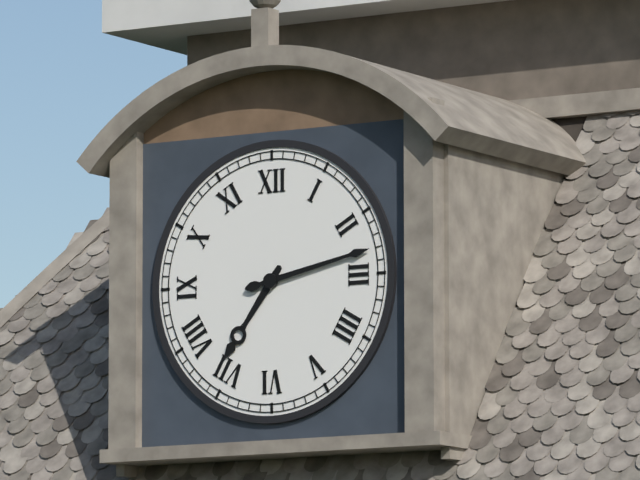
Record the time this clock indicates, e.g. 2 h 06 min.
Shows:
7 h 13 min
